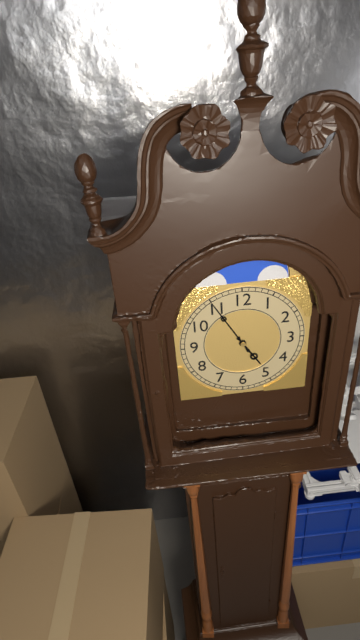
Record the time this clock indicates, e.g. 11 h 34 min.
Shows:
4 h 55 min
